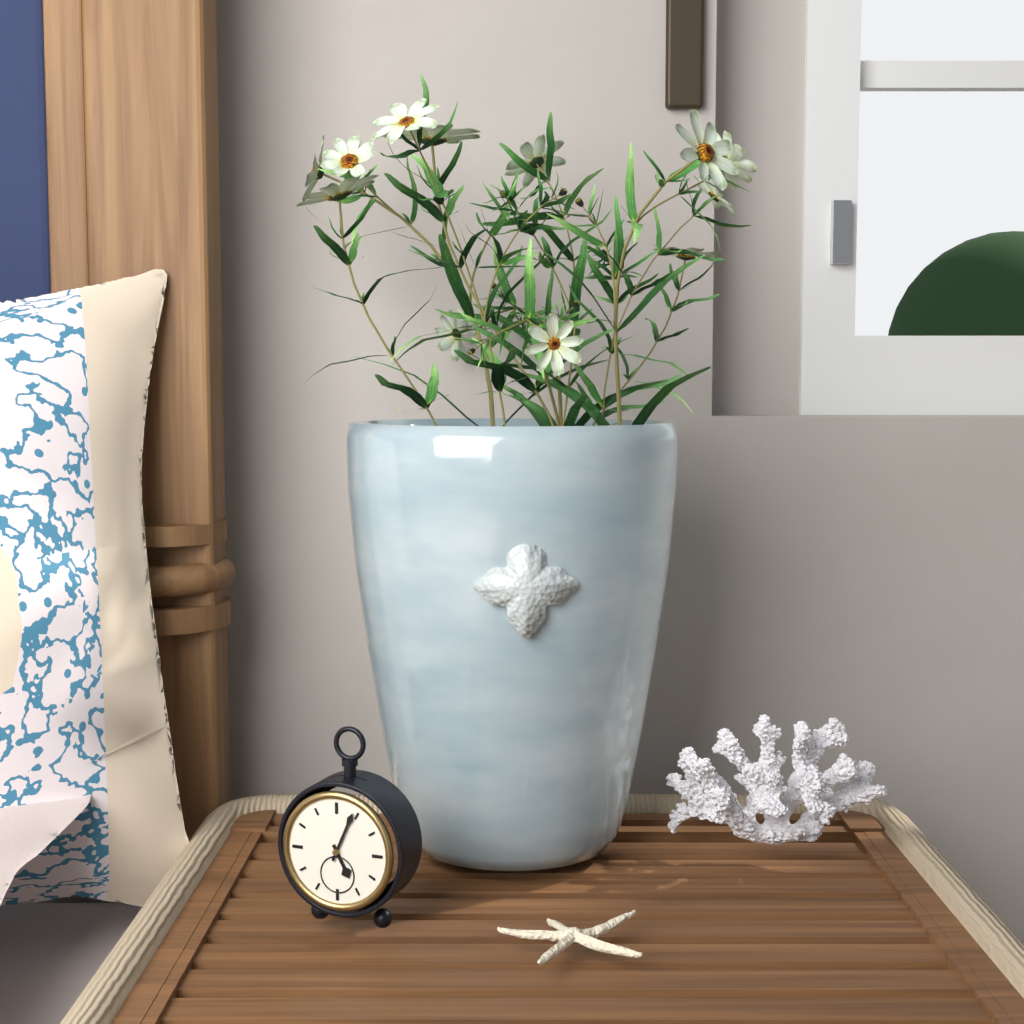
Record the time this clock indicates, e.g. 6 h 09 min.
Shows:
5 h 04 min
